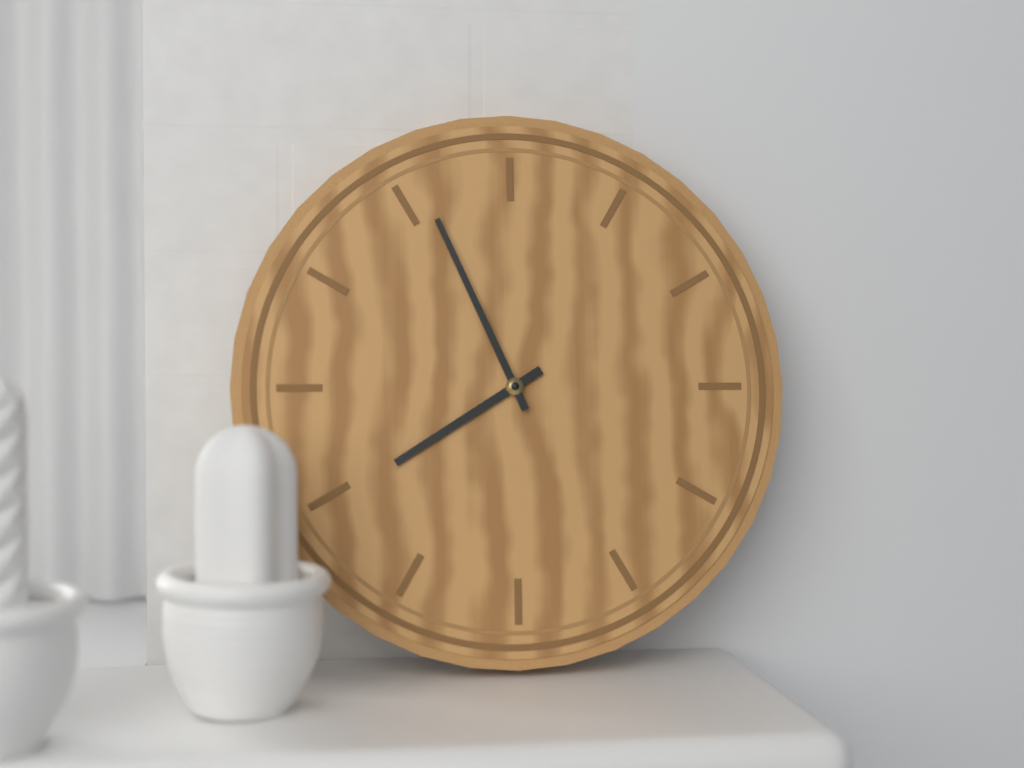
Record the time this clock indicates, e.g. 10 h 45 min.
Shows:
7 h 56 min
